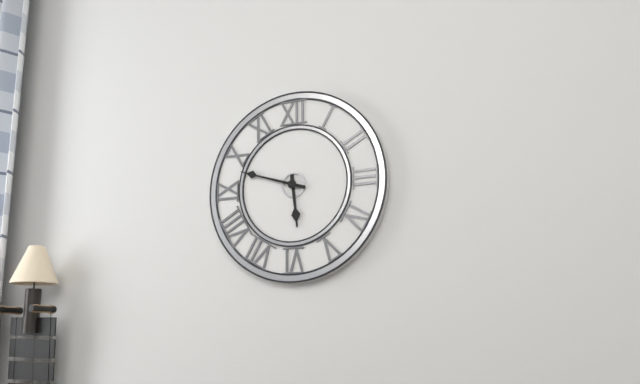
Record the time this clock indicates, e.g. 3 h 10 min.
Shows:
5 h 48 min
